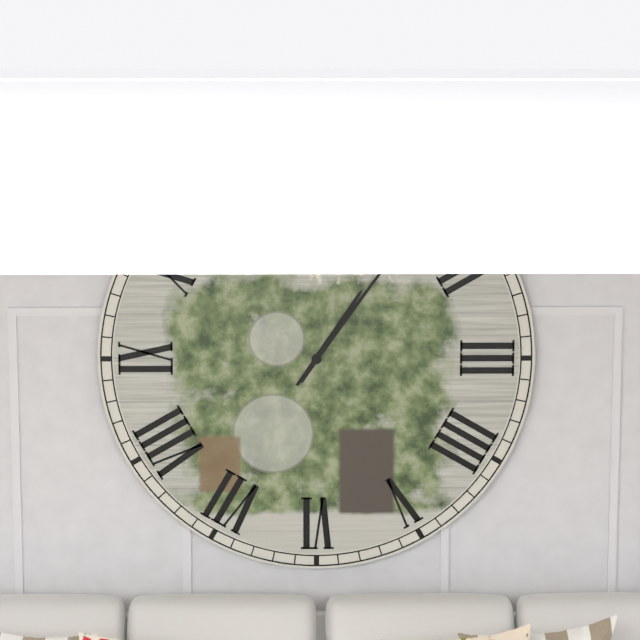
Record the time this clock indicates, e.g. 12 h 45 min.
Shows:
1 h 06 min
